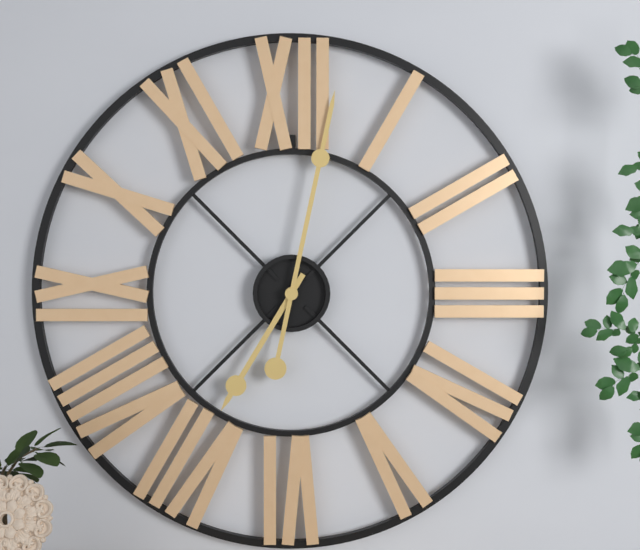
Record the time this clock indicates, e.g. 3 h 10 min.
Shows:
7 h 02 min
